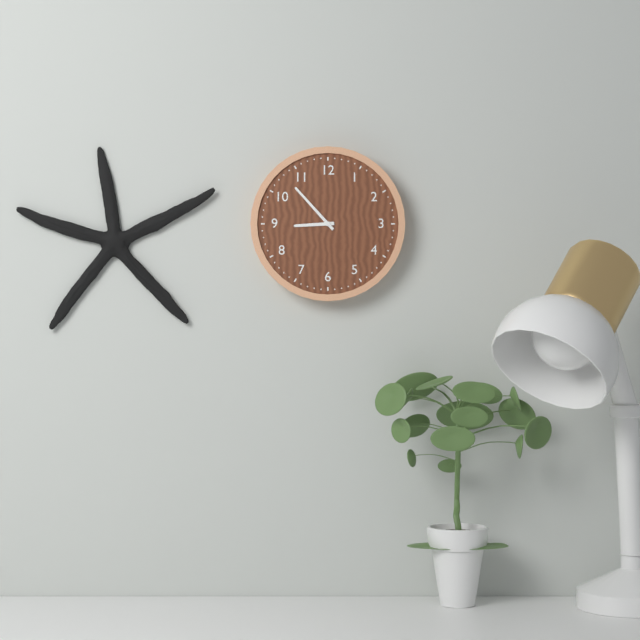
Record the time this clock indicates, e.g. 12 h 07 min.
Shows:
8 h 53 min
